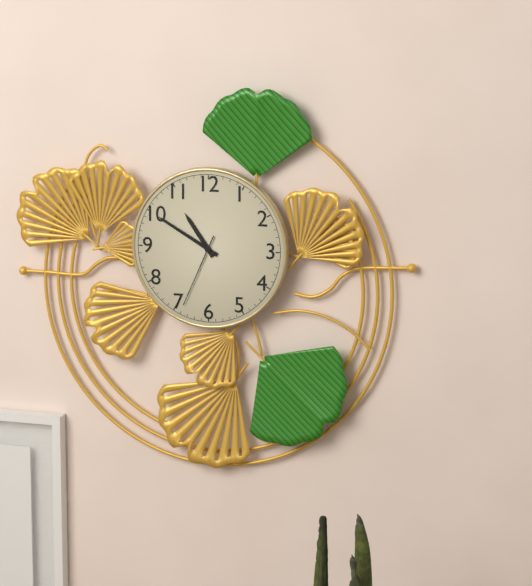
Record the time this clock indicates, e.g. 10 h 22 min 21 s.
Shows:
10 h 50 min 34 s
